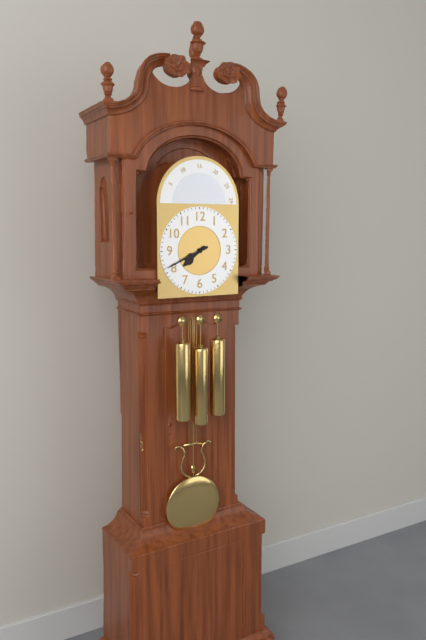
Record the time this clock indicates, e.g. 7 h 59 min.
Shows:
7 h 41 min
